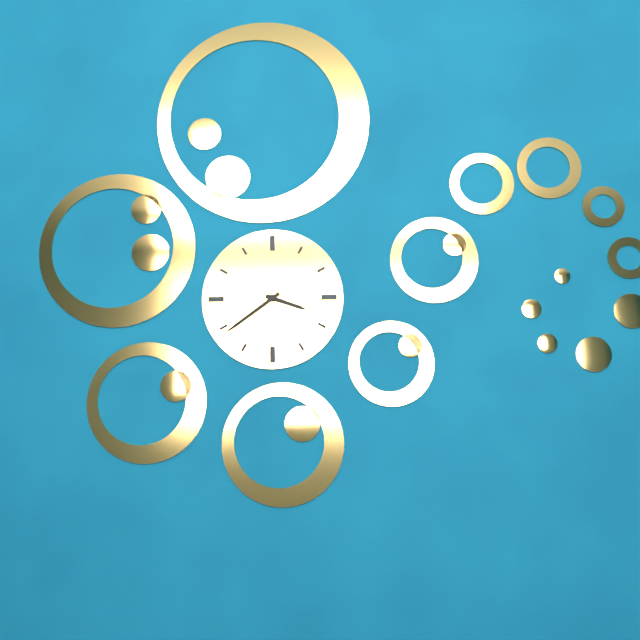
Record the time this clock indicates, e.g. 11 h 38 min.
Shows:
3 h 39 min
